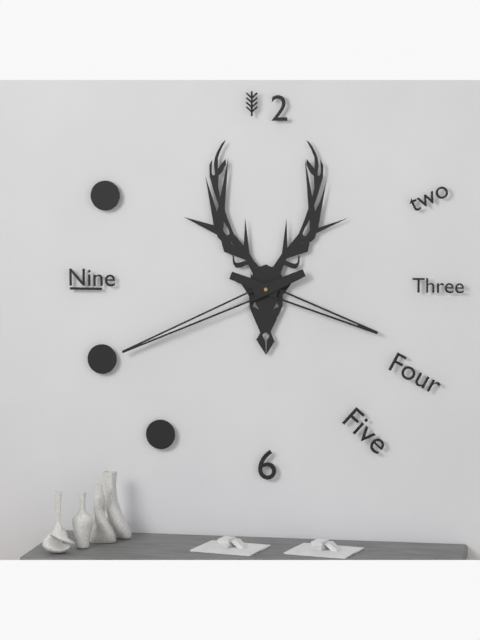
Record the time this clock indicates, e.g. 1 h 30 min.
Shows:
3 h 41 min
